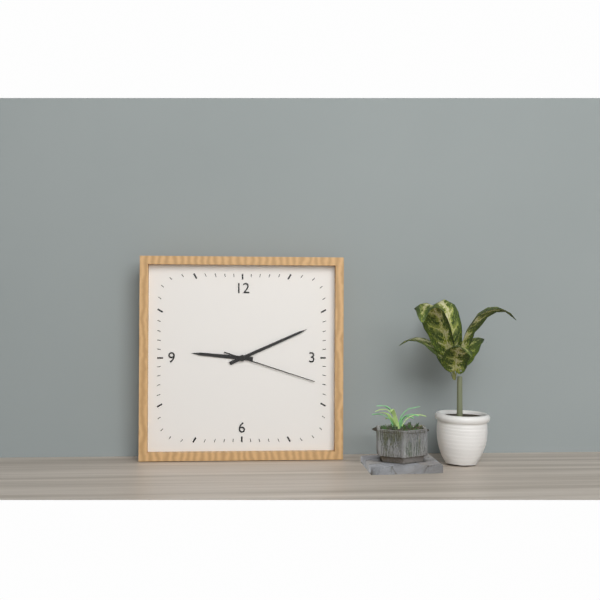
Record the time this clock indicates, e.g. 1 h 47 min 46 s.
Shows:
9 h 11 min 18 s
